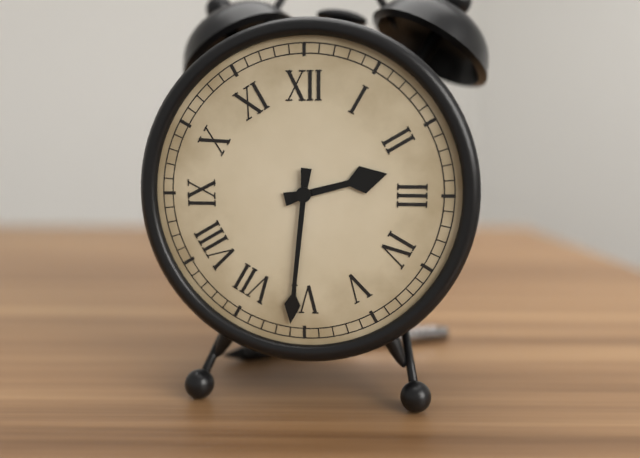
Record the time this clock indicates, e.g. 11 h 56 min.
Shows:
2 h 31 min
